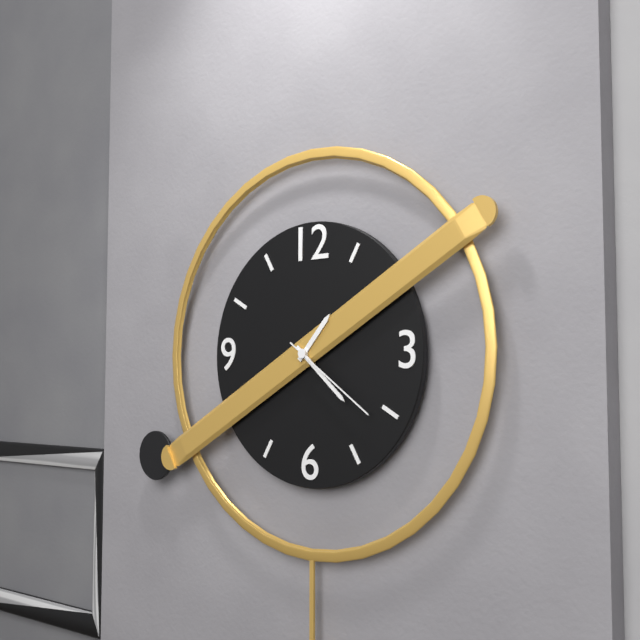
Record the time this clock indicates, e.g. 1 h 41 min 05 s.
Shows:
1 h 22 min 21 s
